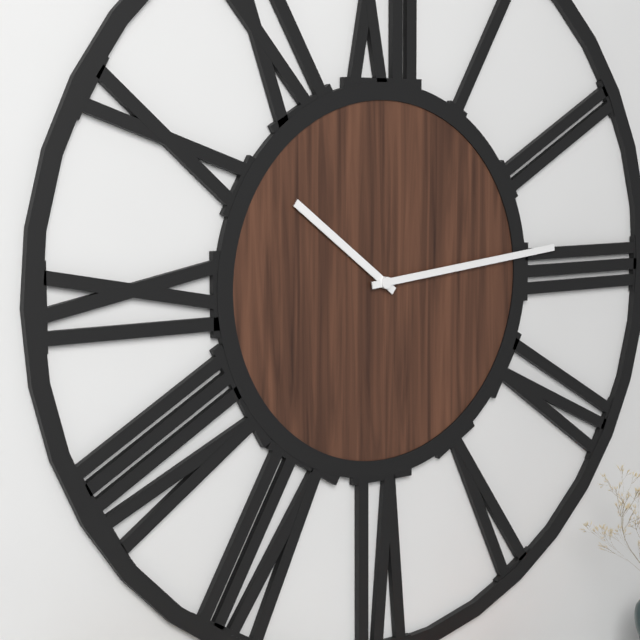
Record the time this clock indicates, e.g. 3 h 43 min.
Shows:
10 h 14 min
